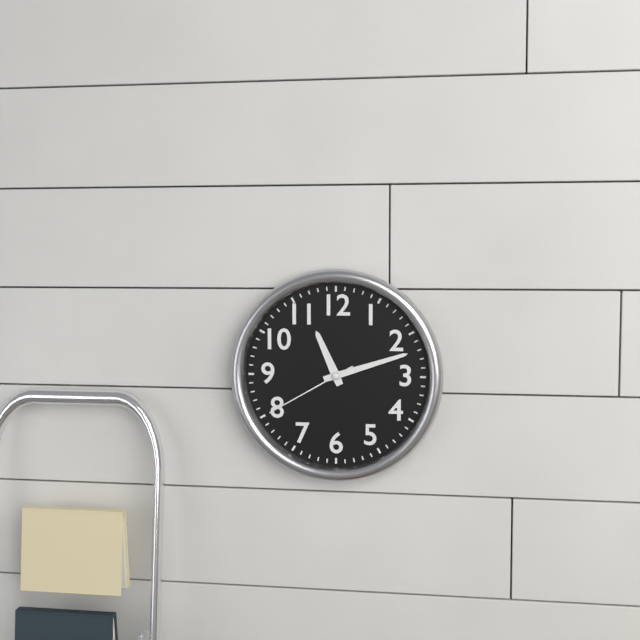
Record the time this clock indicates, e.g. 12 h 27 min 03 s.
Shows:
11 h 12 min 40 s
